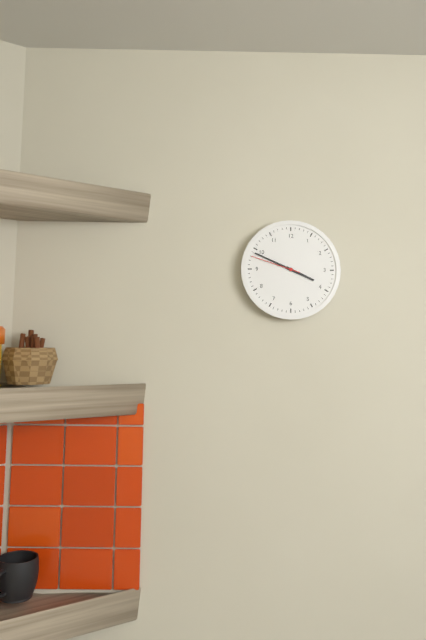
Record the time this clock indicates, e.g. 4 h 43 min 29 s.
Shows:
3 h 49 min 48 s
